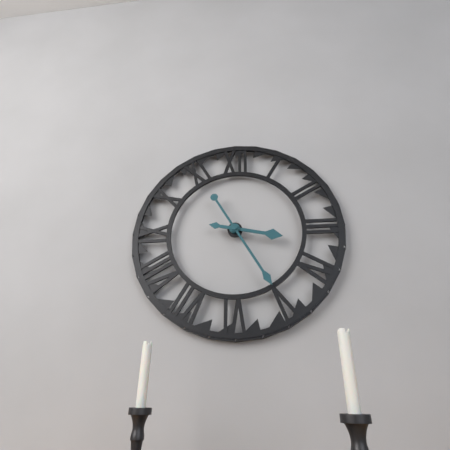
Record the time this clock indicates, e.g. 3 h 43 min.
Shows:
3 h 25 min
